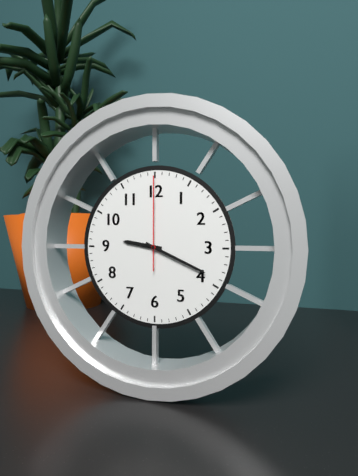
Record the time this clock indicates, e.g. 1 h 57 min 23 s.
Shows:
9 h 19 min 00 s
